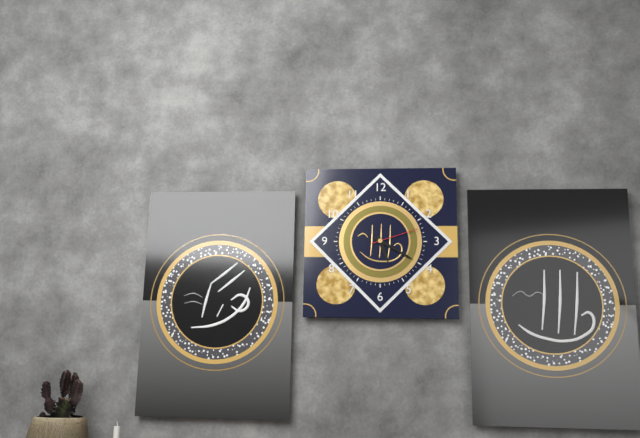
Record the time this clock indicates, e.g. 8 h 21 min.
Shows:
5 h 20 min
